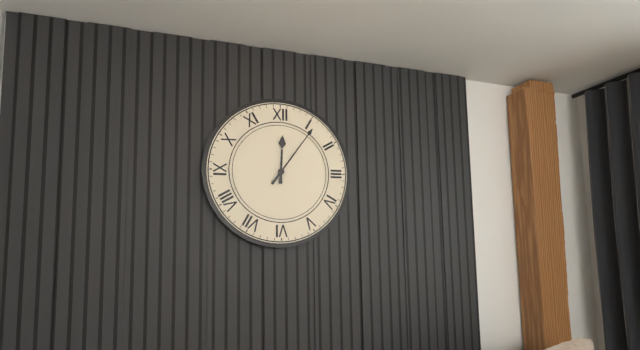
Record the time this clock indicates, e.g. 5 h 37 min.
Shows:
12 h 06 min
